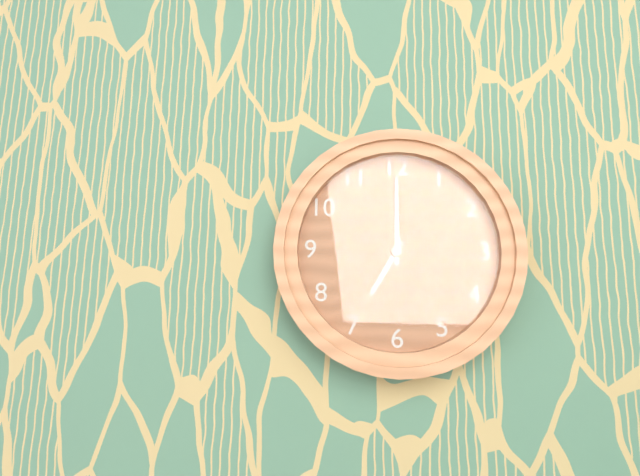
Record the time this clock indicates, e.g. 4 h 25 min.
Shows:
7 h 00 min
